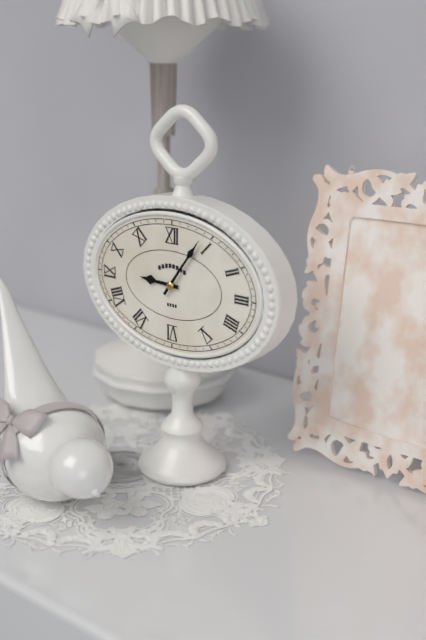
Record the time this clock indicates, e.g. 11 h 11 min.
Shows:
9 h 06 min
